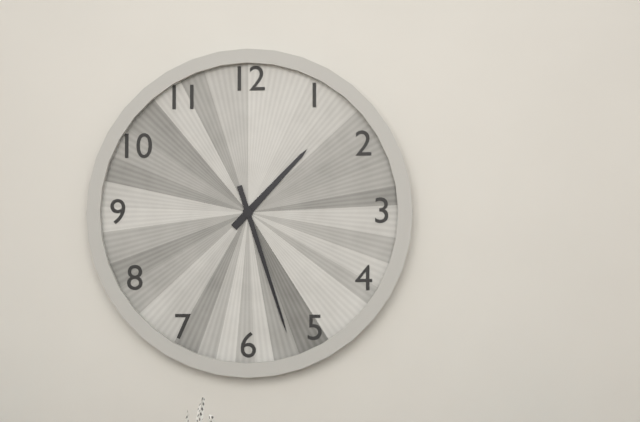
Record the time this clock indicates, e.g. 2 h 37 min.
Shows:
1 h 27 min
